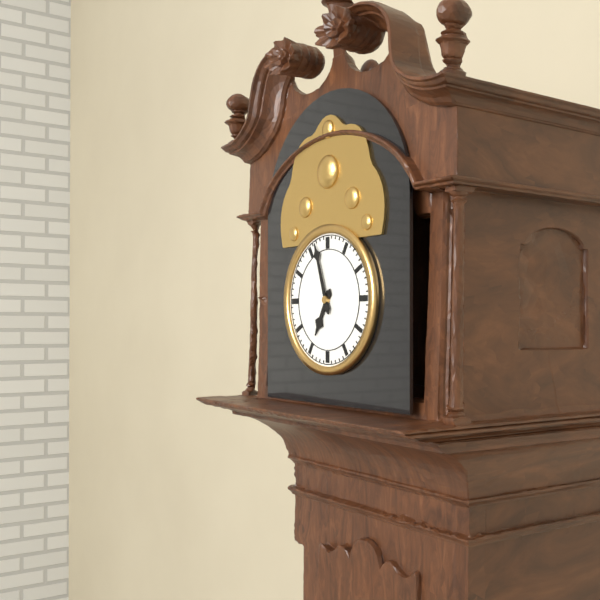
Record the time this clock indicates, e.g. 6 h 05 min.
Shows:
6 h 57 min
